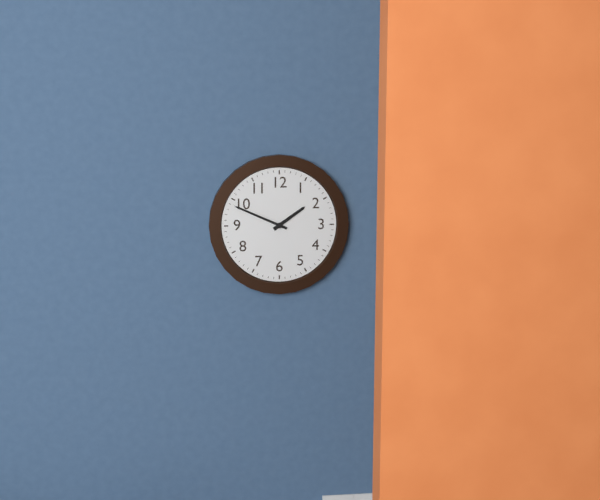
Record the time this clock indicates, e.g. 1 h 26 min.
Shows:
1 h 49 min
